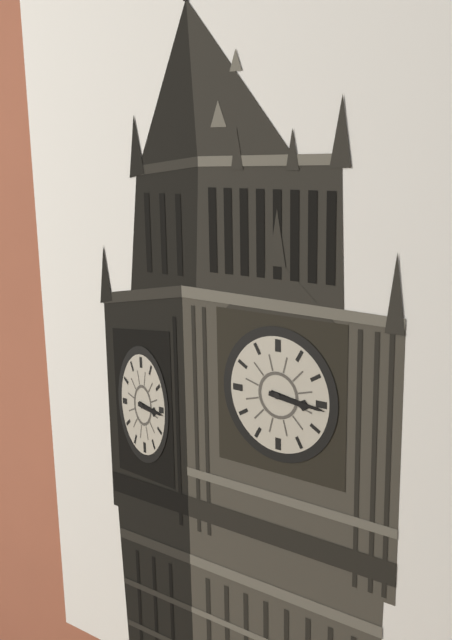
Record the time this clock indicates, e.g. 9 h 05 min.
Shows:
3 h 16 min
